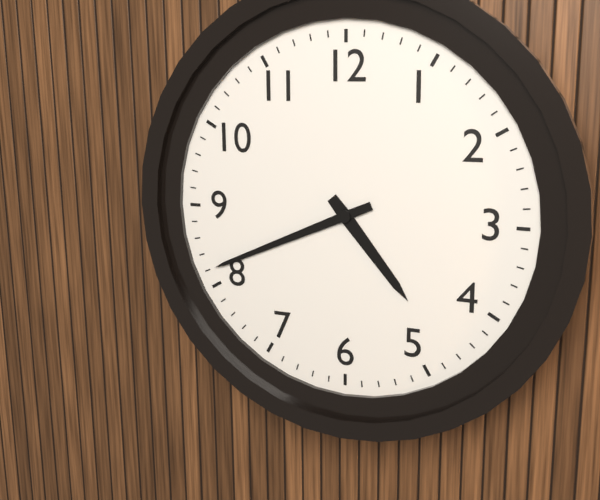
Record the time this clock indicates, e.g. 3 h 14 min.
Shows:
4 h 41 min
